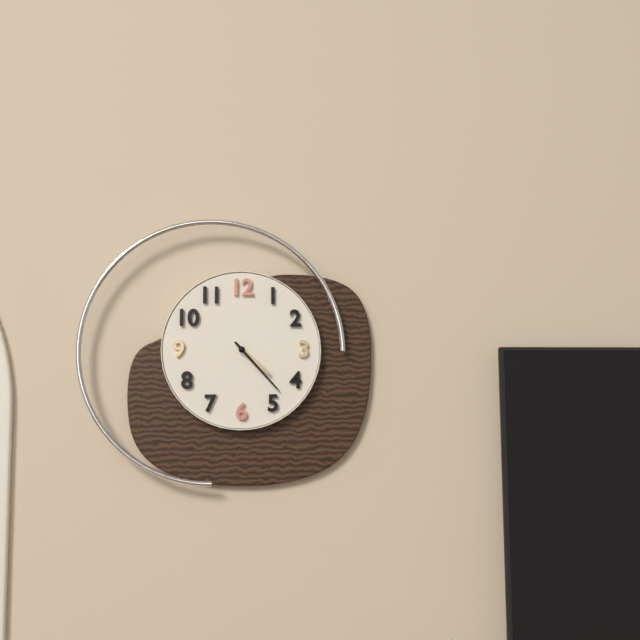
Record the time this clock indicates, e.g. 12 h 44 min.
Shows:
4 h 23 min
